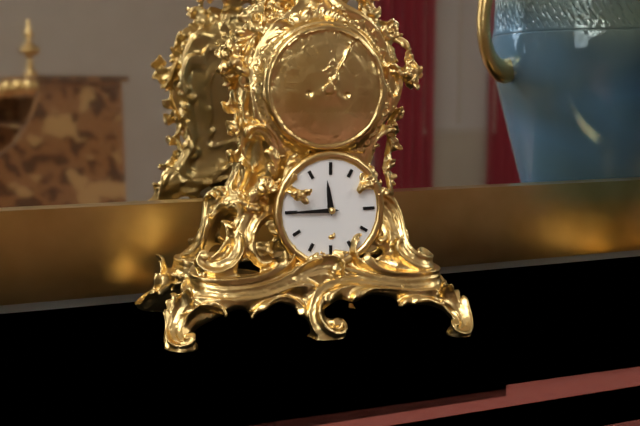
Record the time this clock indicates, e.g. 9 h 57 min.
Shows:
11 h 45 min
